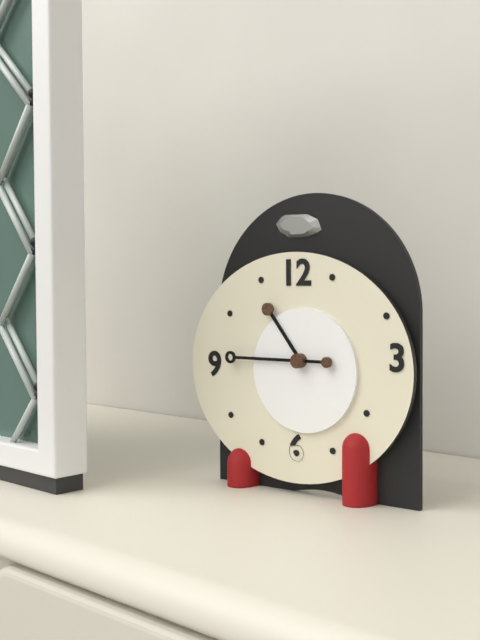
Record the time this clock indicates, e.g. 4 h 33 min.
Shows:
10 h 45 min
